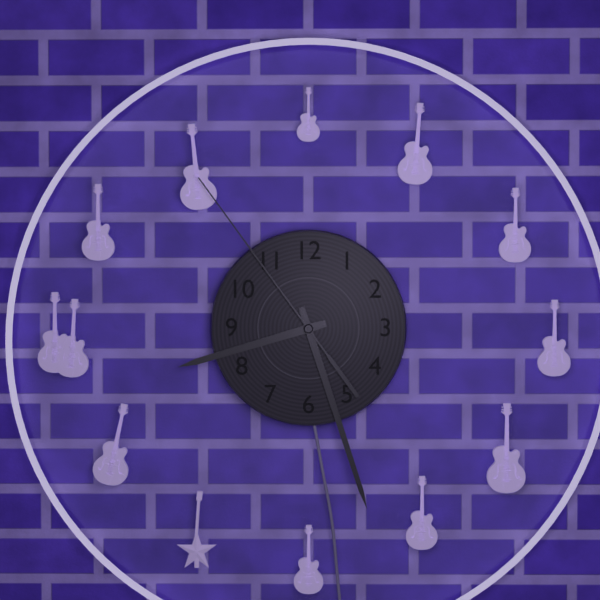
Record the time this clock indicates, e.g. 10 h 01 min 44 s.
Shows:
8 h 27 min 54 s
